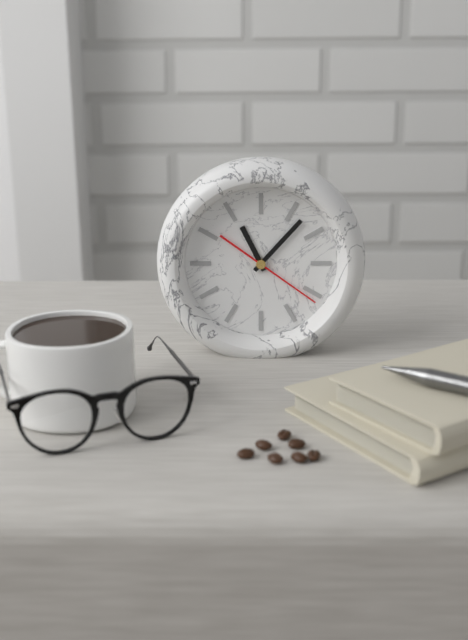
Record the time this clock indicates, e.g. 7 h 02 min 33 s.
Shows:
11 h 07 min 21 s
